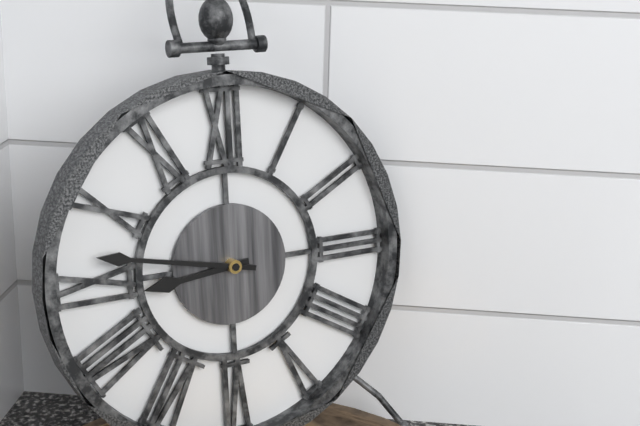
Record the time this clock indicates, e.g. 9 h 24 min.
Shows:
8 h 47 min
